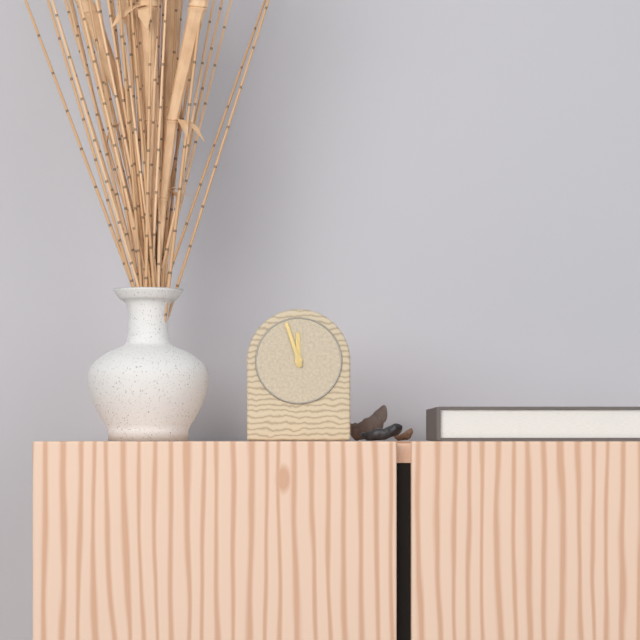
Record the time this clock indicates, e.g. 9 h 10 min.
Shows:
11 h 57 min
